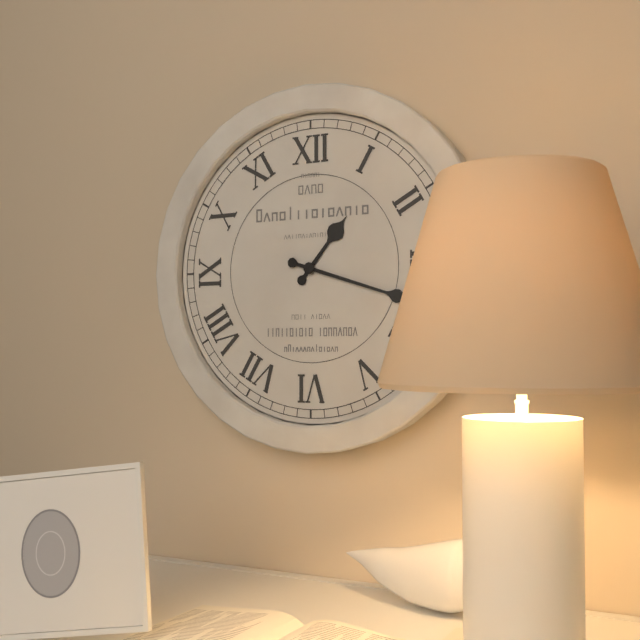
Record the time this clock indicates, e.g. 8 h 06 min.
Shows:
1 h 18 min
